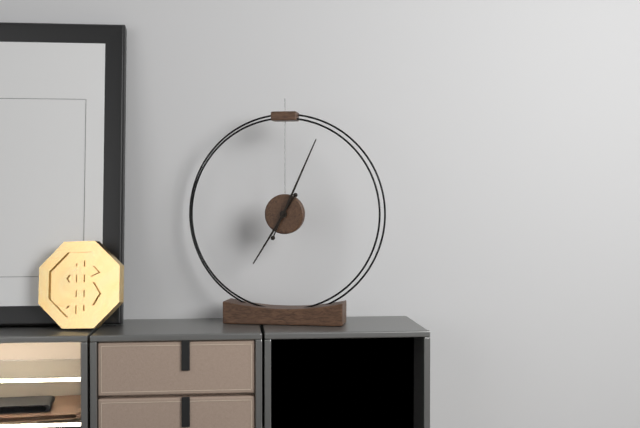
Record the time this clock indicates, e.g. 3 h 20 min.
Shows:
7 h 04 min
